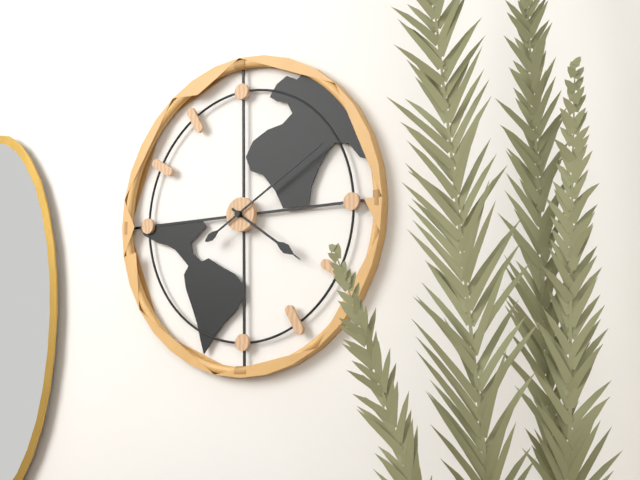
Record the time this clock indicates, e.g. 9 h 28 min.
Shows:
4 h 10 min
